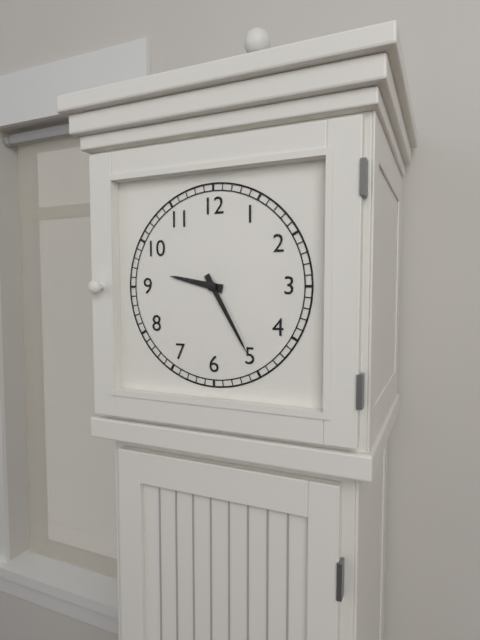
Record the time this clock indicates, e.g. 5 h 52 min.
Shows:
9 h 25 min
